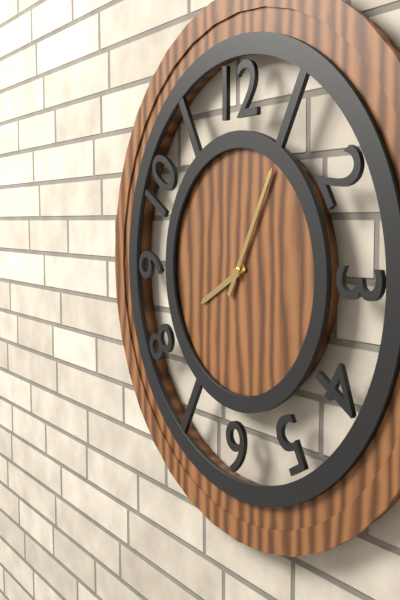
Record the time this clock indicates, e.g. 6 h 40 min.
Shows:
8 h 05 min
